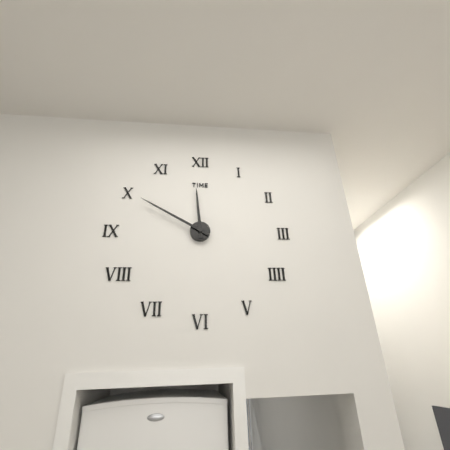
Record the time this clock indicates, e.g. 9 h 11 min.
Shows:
11 h 50 min
